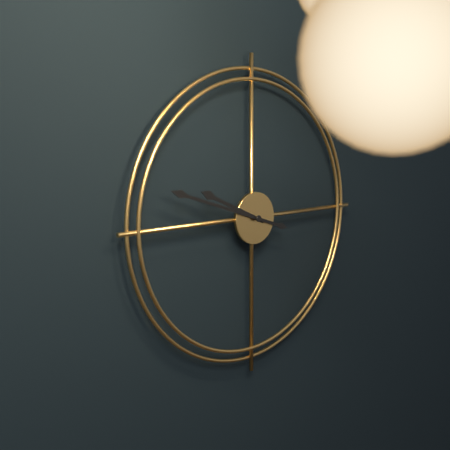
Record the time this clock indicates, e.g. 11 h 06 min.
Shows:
9 h 48 min
